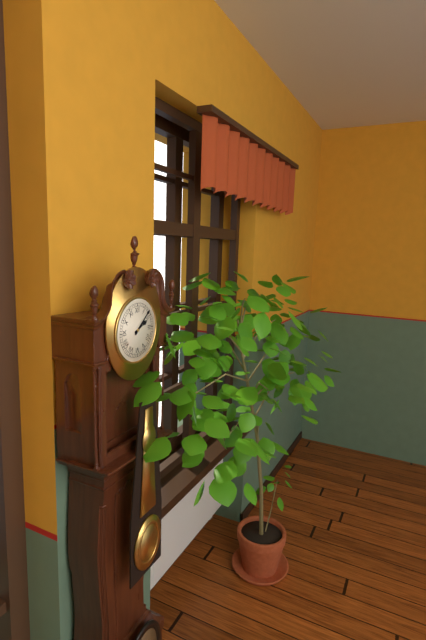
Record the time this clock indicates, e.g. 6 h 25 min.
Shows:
2 h 08 min
